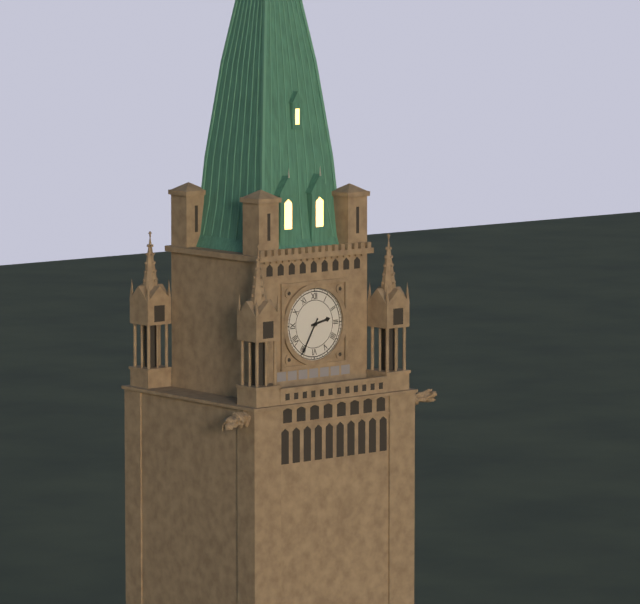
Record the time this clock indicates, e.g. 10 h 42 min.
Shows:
2 h 35 min
